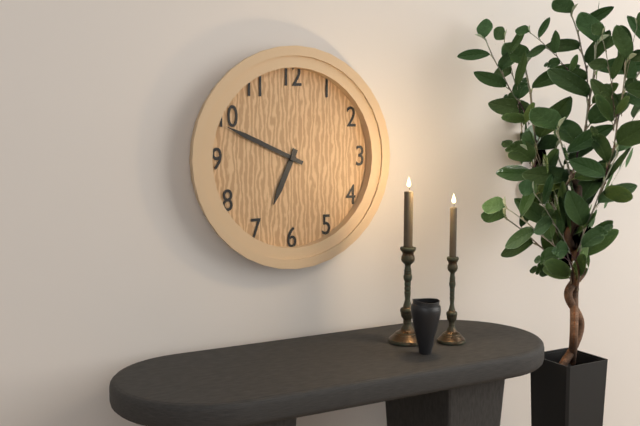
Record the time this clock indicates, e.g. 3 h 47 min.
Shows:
6 h 49 min
